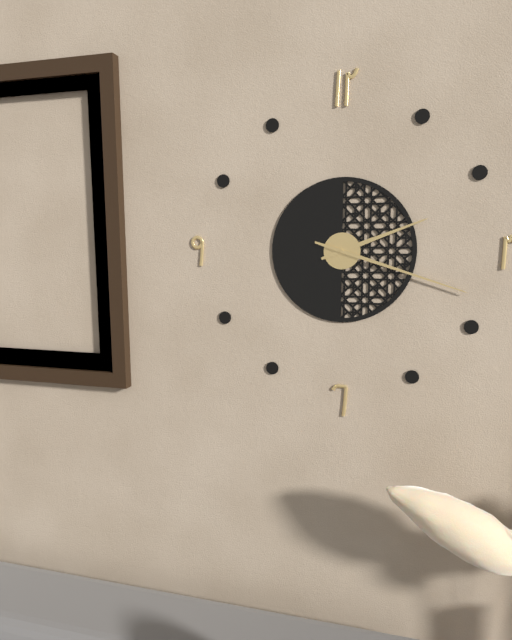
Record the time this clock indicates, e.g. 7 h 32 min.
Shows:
2 h 18 min
